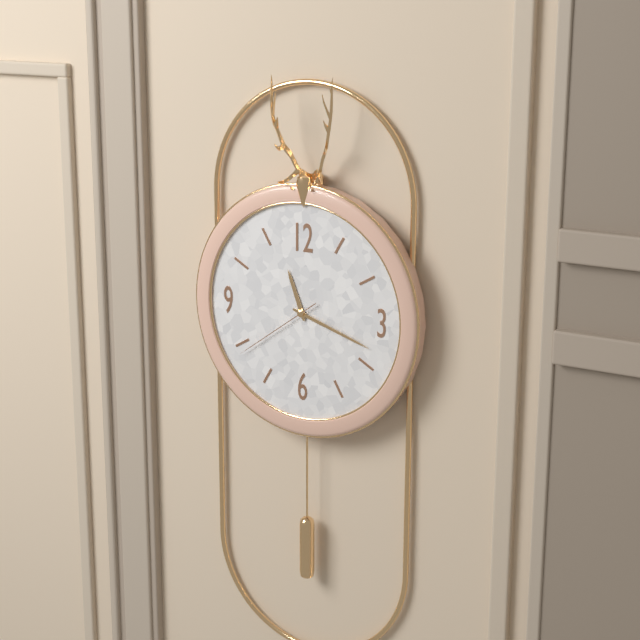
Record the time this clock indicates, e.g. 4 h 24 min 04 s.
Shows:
11 h 18 min 39 s
